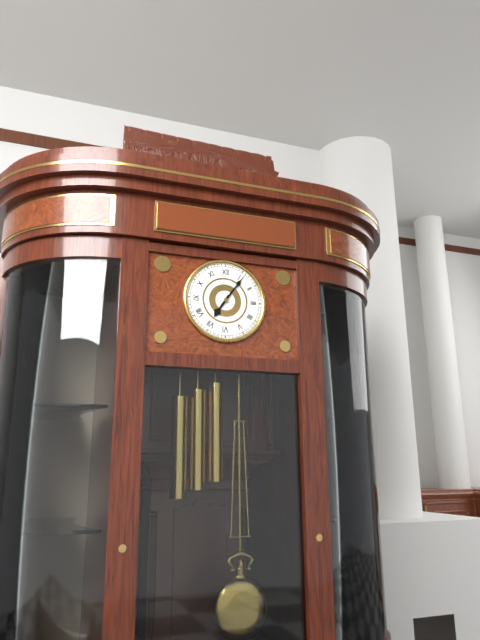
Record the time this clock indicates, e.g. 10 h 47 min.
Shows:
7 h 06 min
